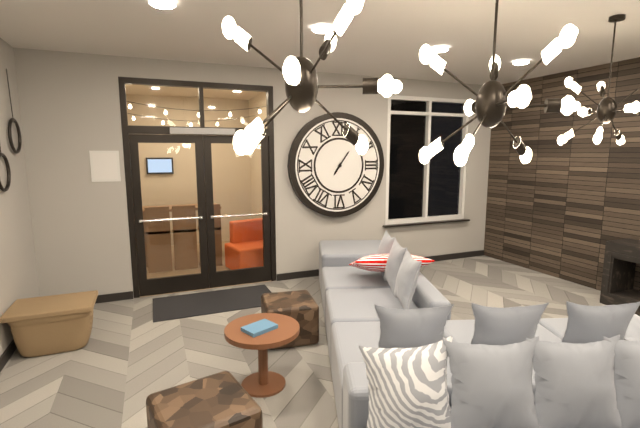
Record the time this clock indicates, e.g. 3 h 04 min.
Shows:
7 h 06 min
